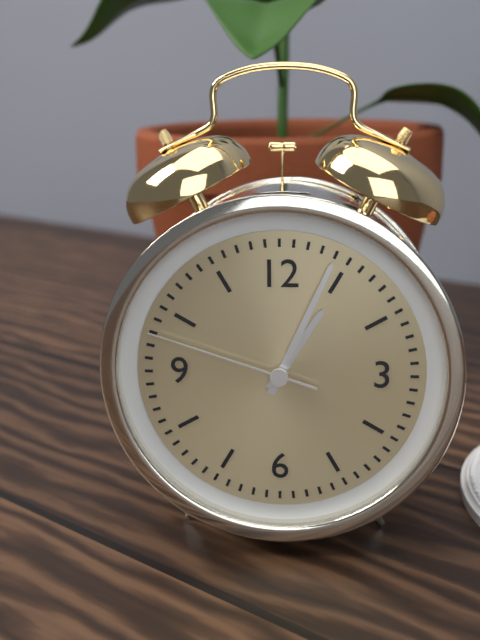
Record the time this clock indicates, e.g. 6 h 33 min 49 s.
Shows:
1 h 04 min 48 s
